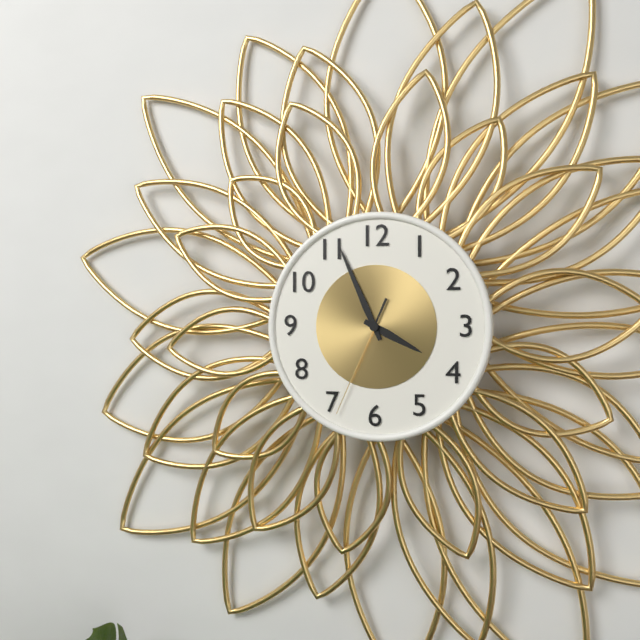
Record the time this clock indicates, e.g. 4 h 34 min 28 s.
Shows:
3 h 56 min 34 s
